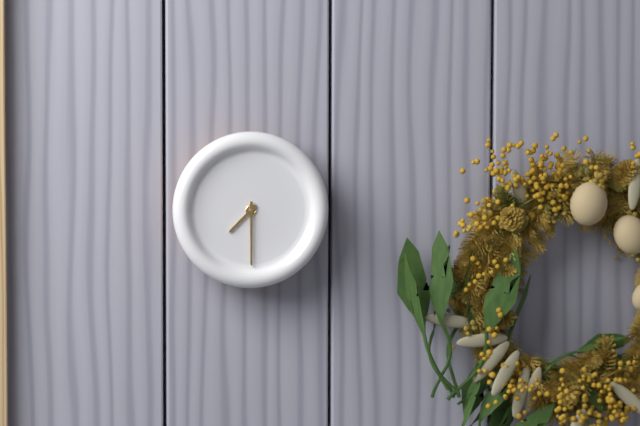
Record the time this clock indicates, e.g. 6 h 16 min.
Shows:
7 h 30 min
